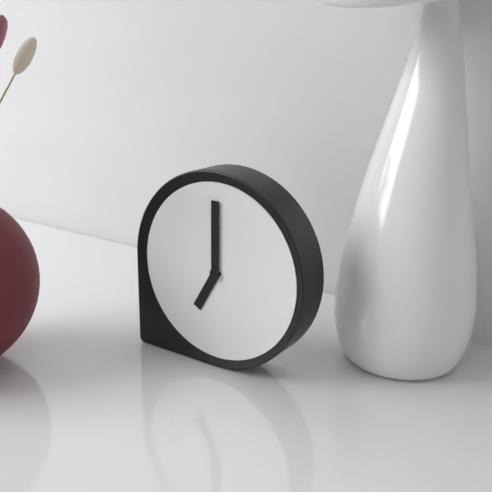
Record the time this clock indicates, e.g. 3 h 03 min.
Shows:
7 h 00 min
